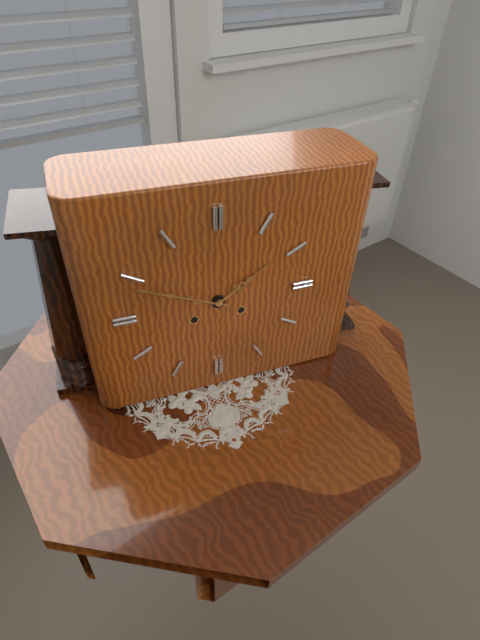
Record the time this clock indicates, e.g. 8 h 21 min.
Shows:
1 h 49 min
